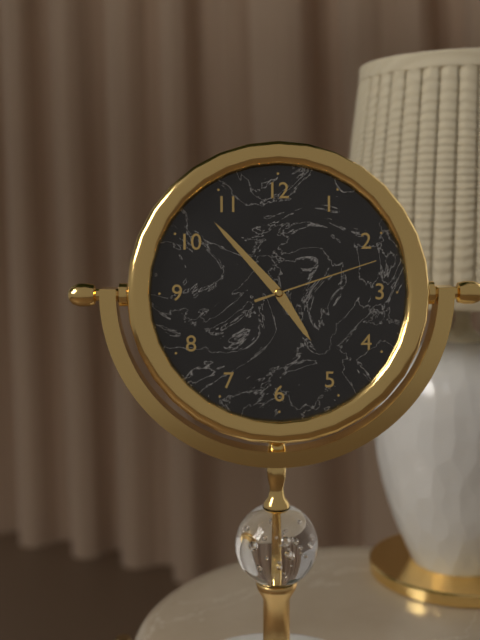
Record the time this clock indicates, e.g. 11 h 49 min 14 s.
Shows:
4 h 53 min 12 s
